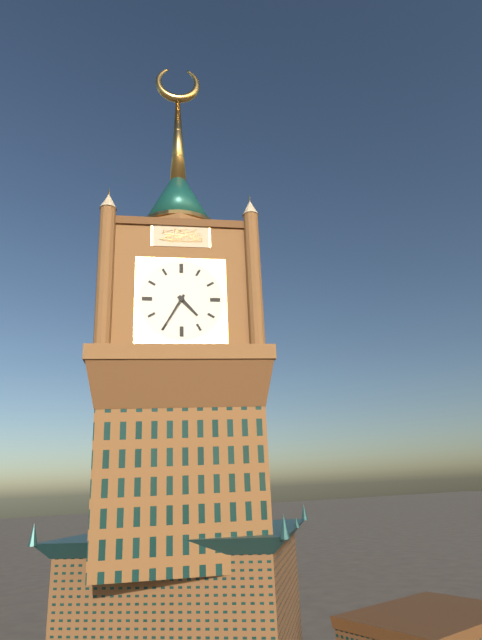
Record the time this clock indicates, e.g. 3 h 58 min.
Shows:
4 h 35 min
